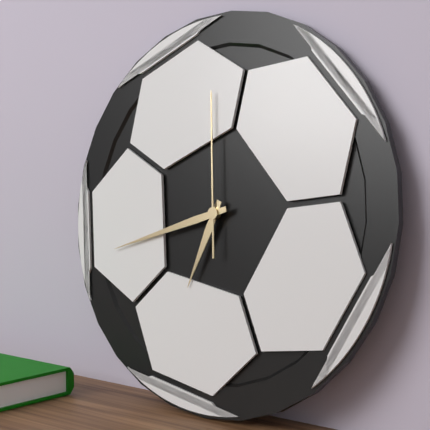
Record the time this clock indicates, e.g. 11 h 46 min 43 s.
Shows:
6 h 42 min 59 s
